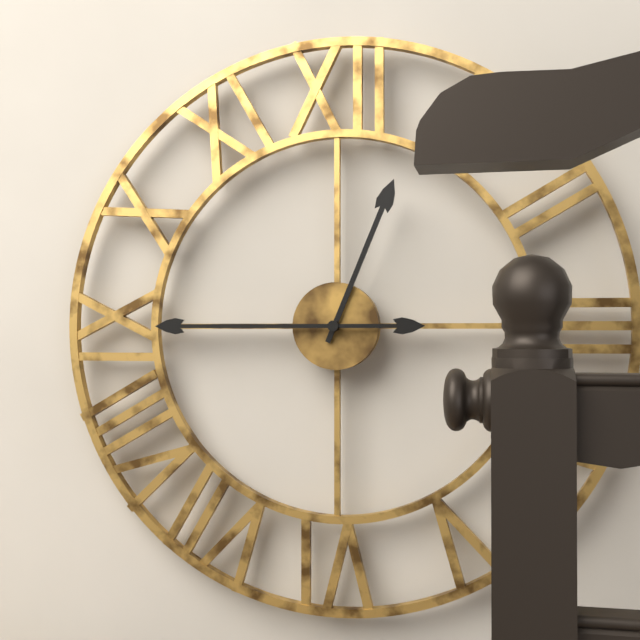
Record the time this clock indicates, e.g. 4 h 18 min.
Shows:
12 h 45 min
